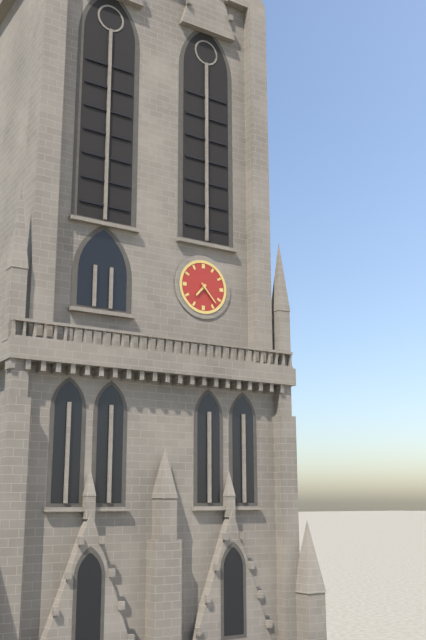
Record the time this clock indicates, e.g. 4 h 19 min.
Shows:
7 h 23 min
